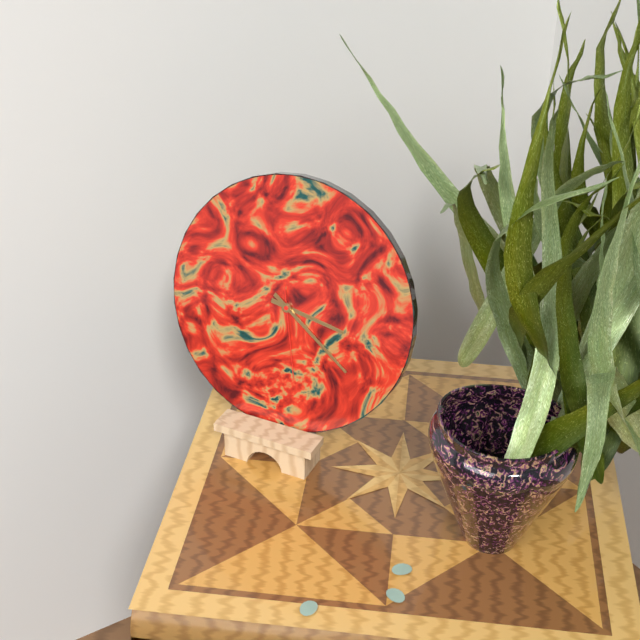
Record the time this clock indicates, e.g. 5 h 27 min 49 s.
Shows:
3 h 21 min 28 s
